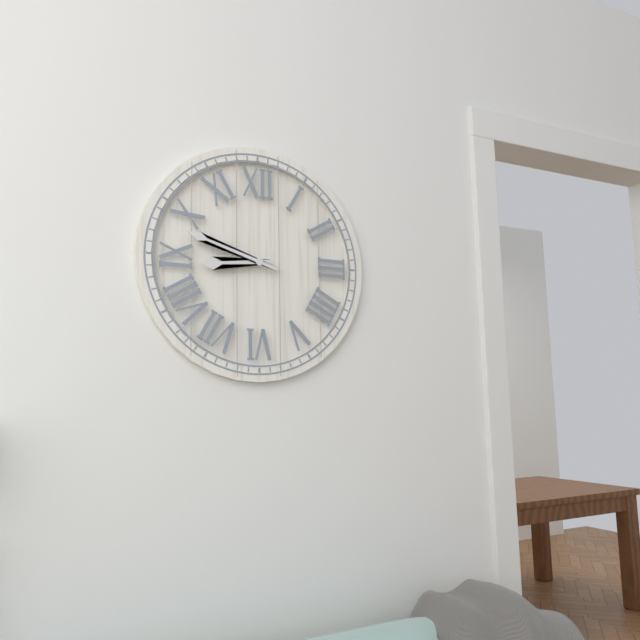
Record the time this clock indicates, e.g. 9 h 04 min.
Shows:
8 h 48 min
